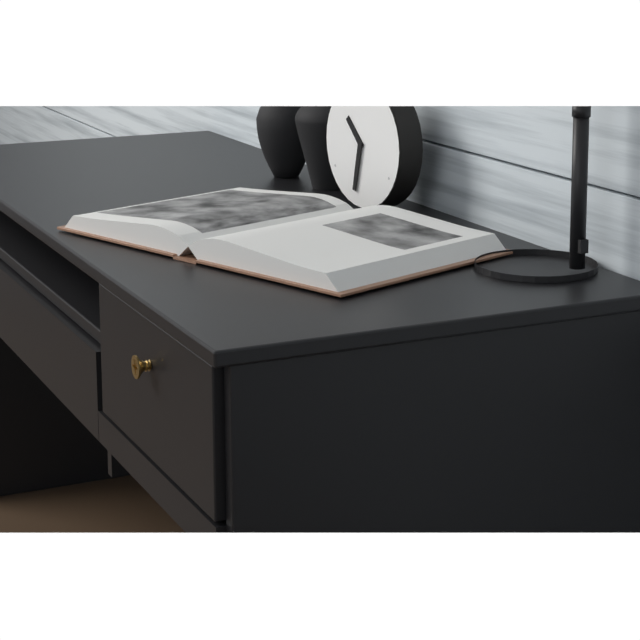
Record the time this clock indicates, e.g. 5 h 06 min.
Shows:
10 h 32 min
